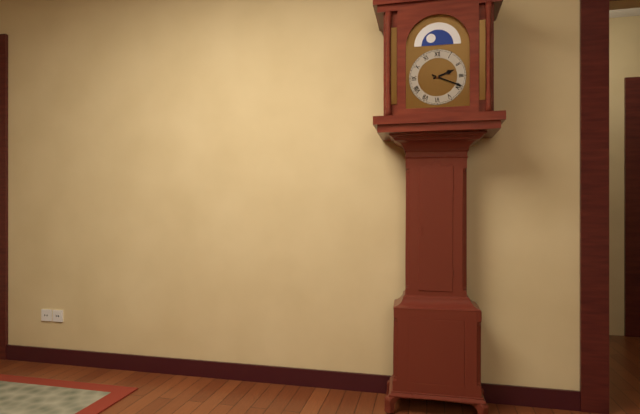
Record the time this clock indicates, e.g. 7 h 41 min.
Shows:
2 h 19 min
